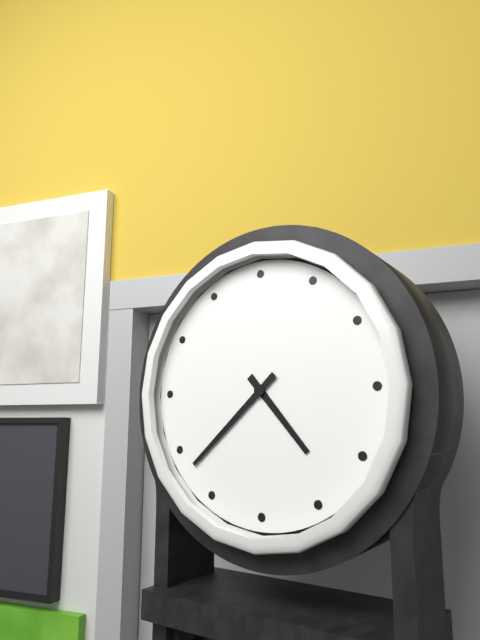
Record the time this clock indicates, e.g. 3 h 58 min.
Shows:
4 h 38 min
